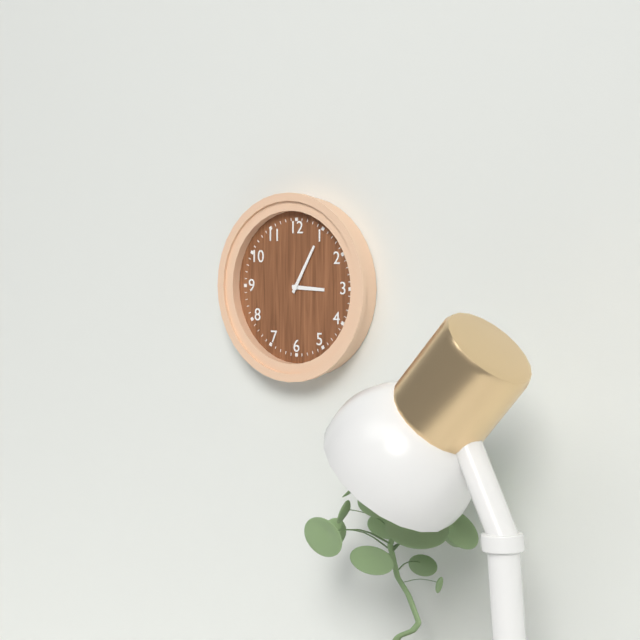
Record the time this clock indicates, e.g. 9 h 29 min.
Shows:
3 h 05 min
